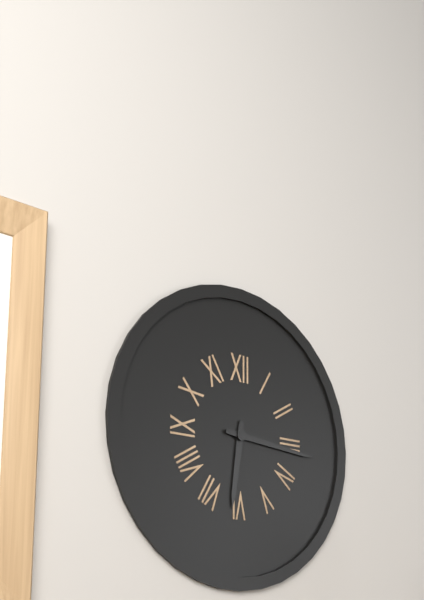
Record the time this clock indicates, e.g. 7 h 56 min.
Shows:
6 h 16 min
